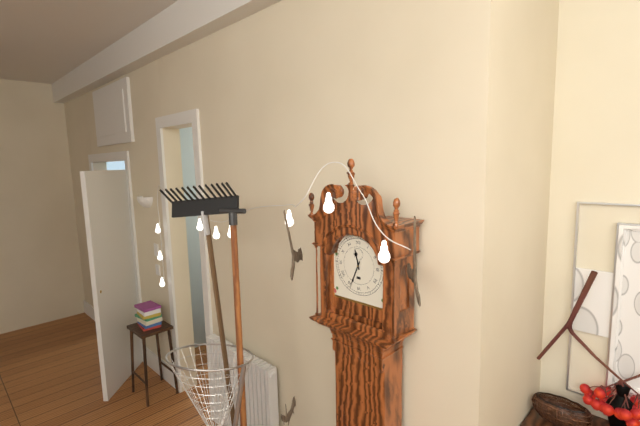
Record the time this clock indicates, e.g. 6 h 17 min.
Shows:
11 h 34 min
